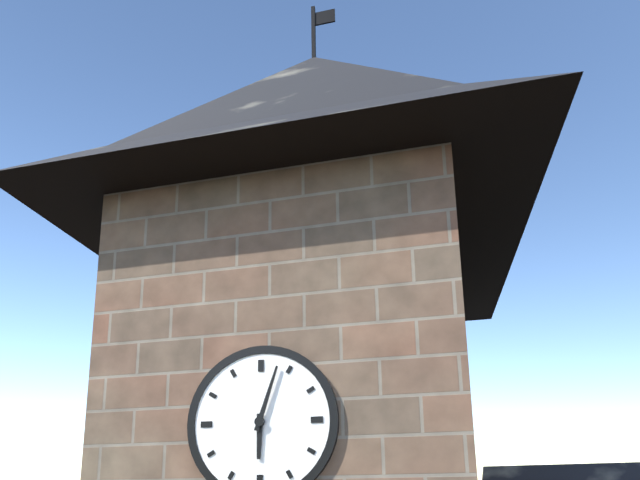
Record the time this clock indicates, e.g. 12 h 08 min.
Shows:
6 h 03 min
